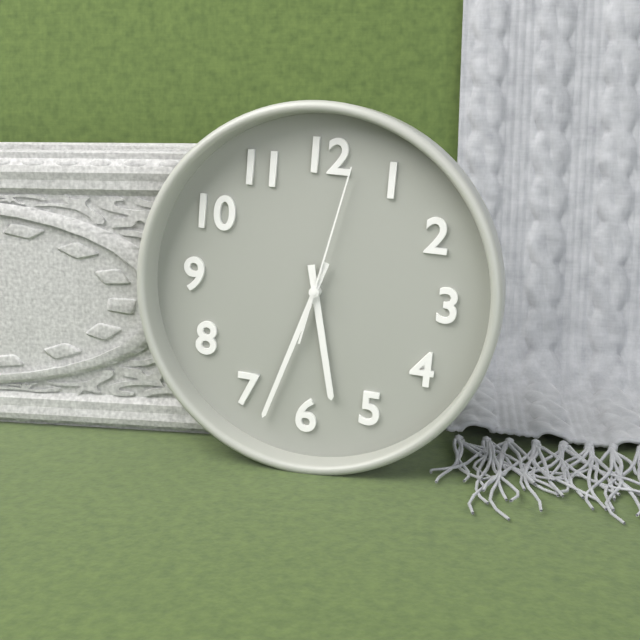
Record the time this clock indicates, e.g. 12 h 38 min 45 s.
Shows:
5 h 33 min 02 s
